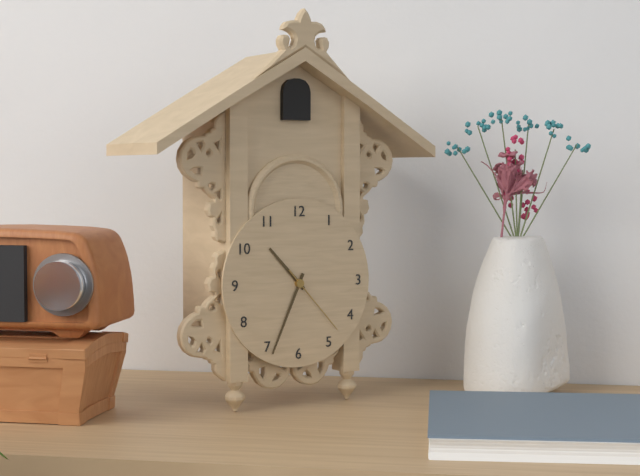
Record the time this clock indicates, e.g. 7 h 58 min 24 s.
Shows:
10 h 34 min 23 s
